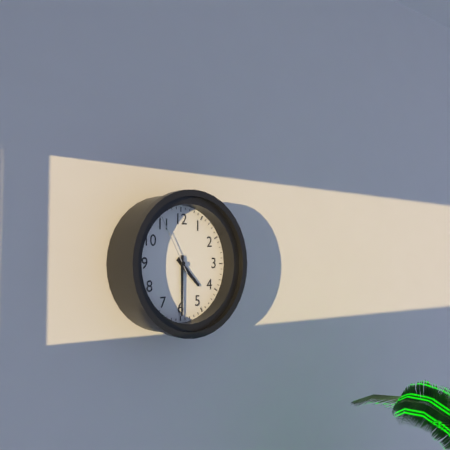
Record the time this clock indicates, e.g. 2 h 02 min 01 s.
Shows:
4 h 30 min 55 s
